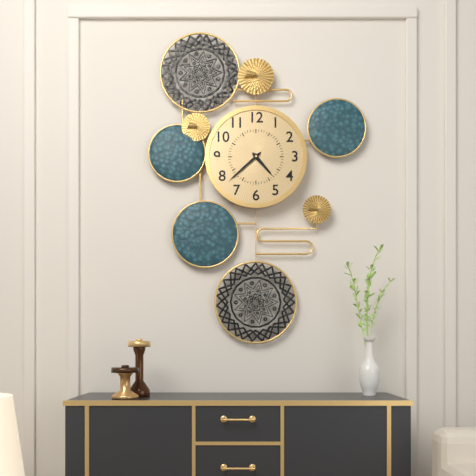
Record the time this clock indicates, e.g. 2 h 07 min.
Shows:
4 h 38 min
